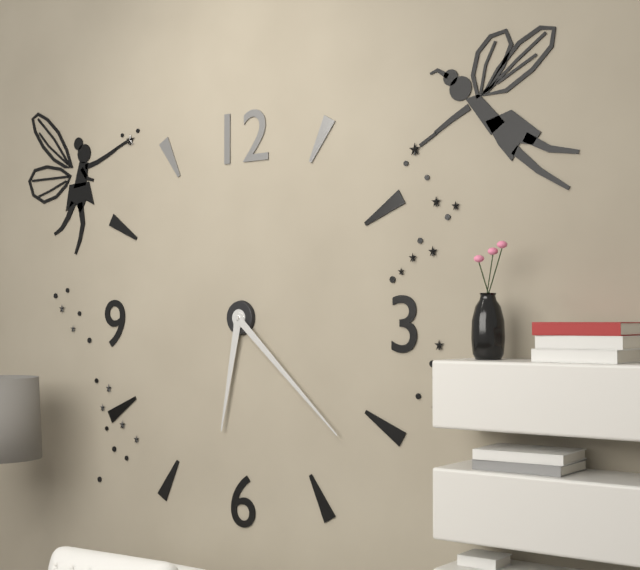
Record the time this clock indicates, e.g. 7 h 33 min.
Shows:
6 h 22 min
